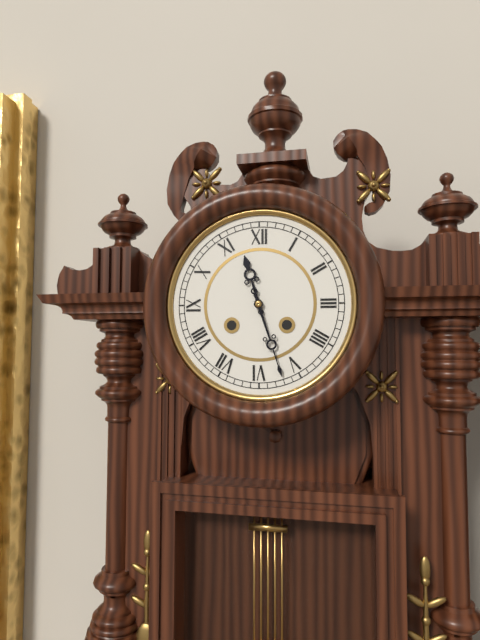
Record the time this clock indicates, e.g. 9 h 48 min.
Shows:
11 h 27 min
